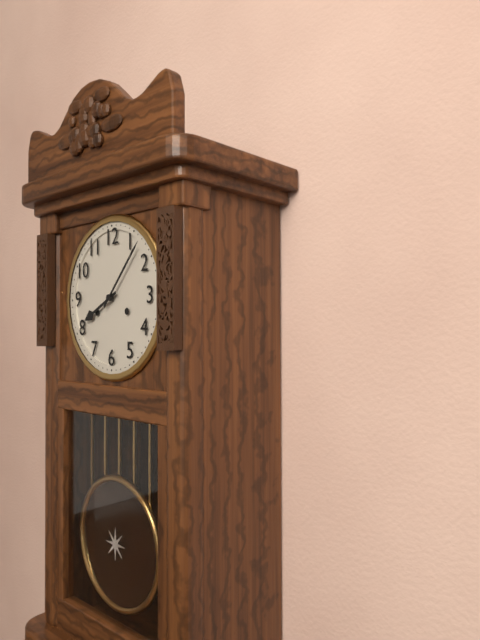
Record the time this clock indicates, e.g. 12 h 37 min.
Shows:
8 h 07 min
